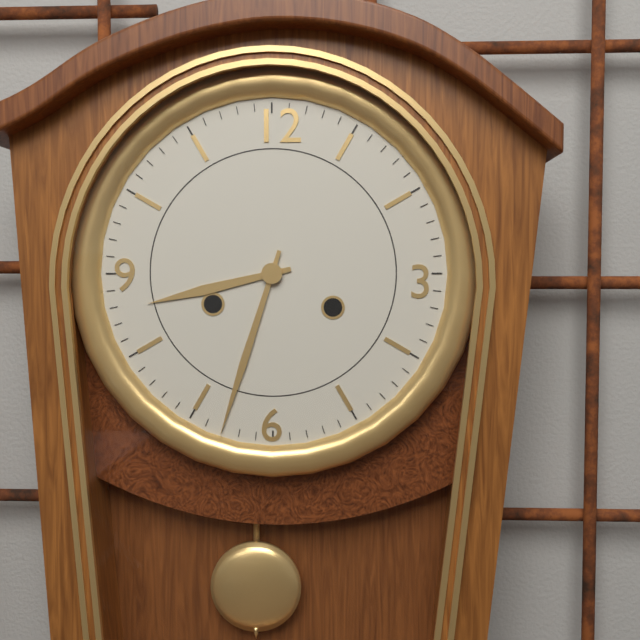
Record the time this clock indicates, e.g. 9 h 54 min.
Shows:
8 h 33 min
